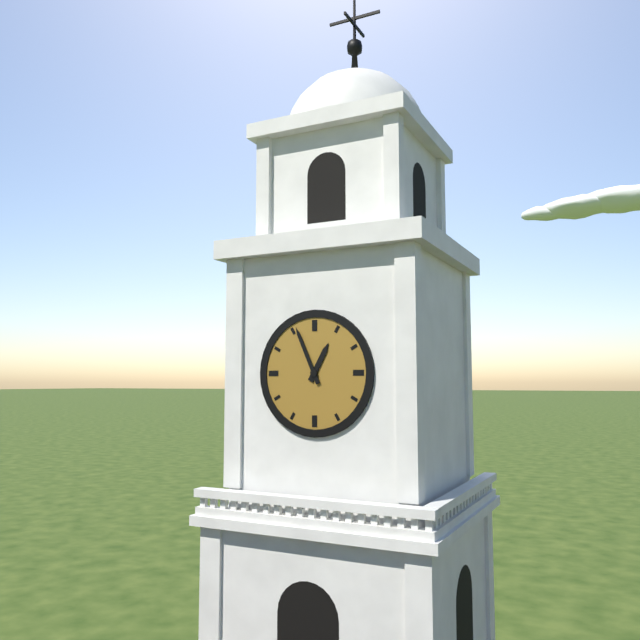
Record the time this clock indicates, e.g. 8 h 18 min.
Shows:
12 h 56 min
